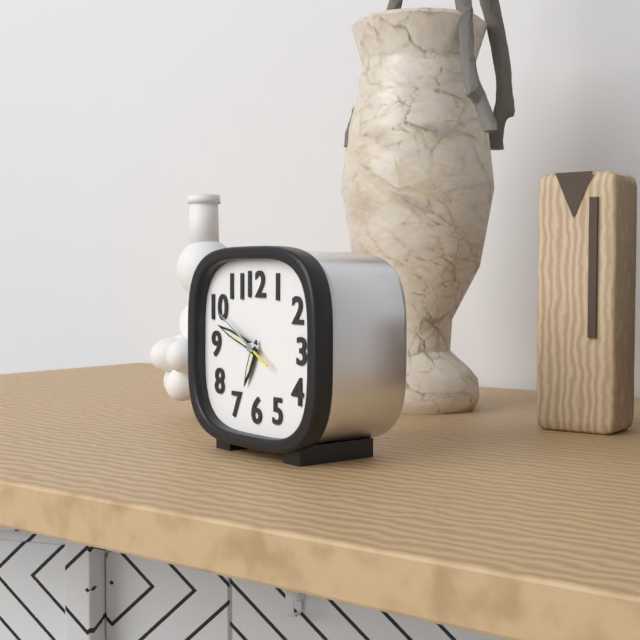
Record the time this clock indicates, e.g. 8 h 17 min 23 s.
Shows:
6 h 48 min 50 s
